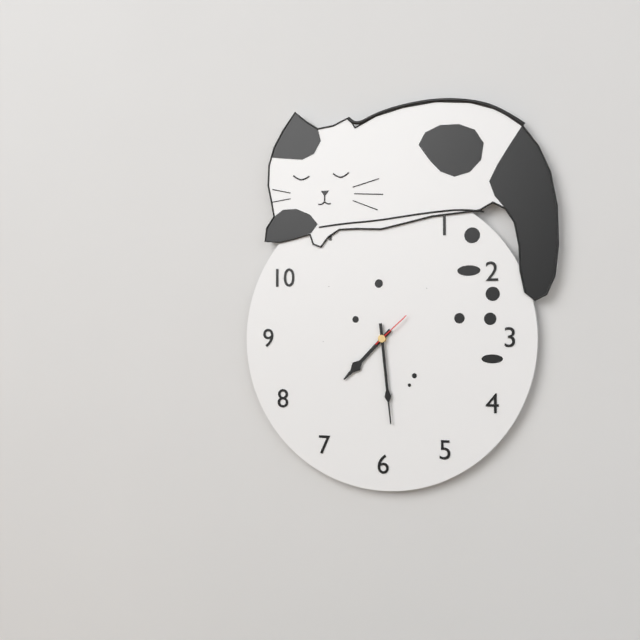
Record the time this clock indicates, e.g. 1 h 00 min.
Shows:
7 h 29 min
